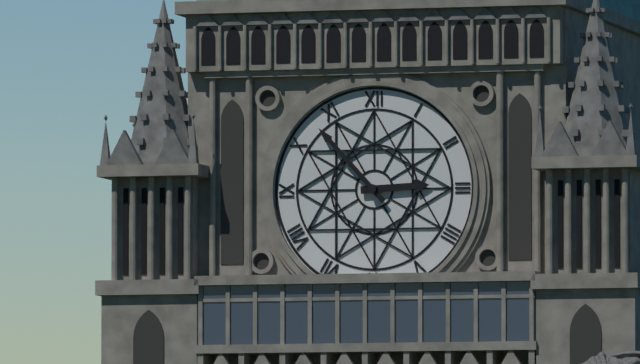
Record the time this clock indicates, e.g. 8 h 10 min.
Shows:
2 h 53 min
